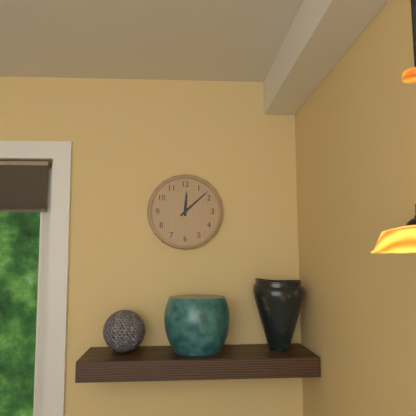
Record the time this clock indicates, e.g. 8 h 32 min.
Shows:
12 h 08 min
